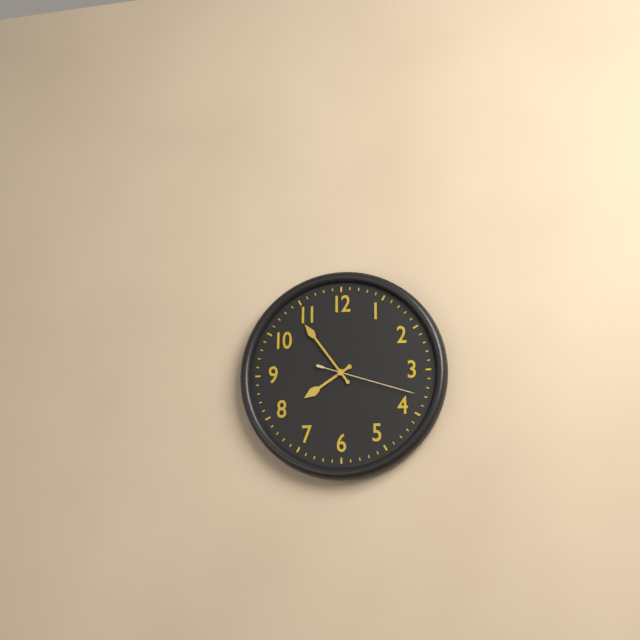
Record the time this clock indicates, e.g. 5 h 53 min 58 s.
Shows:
7 h 54 min 18 s
